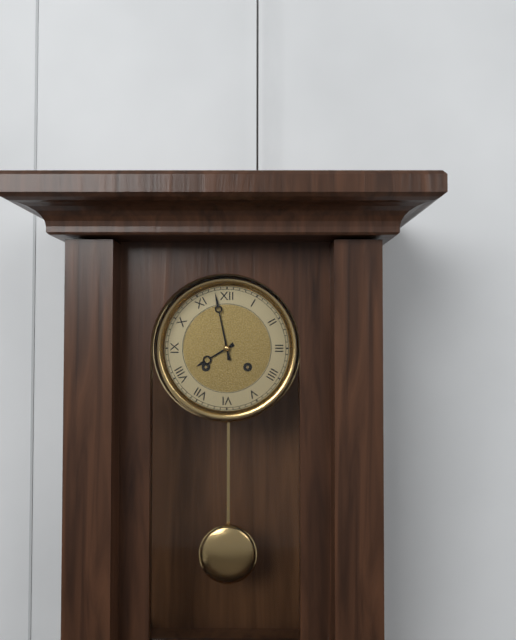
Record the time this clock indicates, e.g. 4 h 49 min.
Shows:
7 h 58 min
